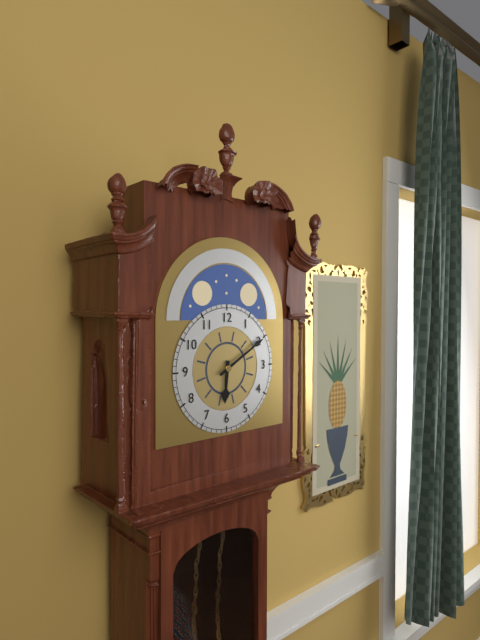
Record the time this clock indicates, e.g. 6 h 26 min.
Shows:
6 h 10 min
